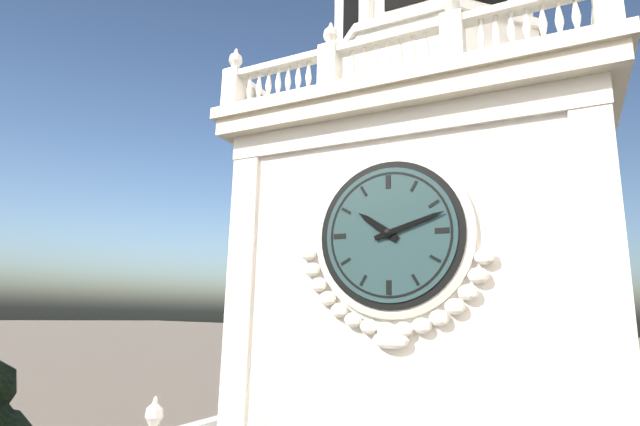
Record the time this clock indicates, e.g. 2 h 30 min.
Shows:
10 h 12 min
